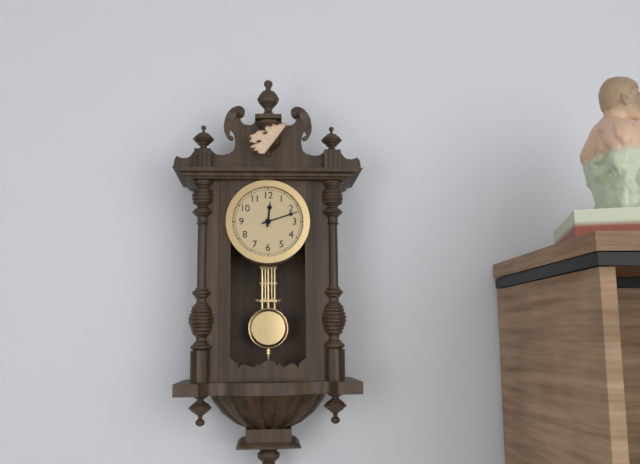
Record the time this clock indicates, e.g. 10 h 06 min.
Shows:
12 h 12 min
